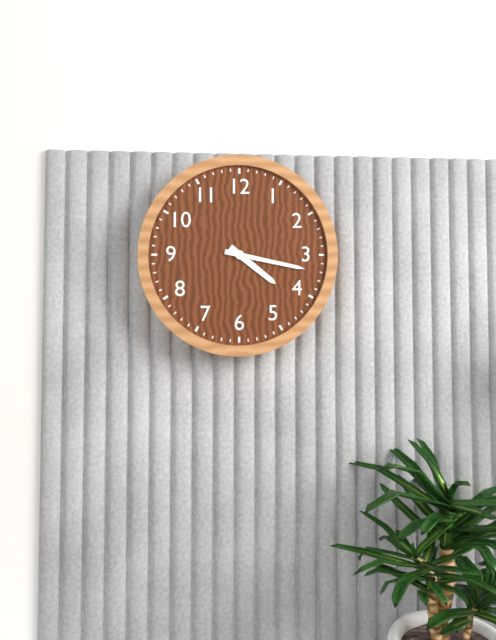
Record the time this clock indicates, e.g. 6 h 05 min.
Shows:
4 h 17 min
